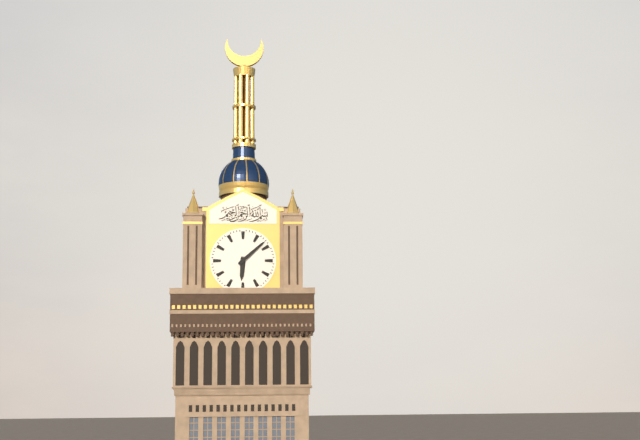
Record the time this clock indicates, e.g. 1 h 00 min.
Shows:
6 h 08 min
